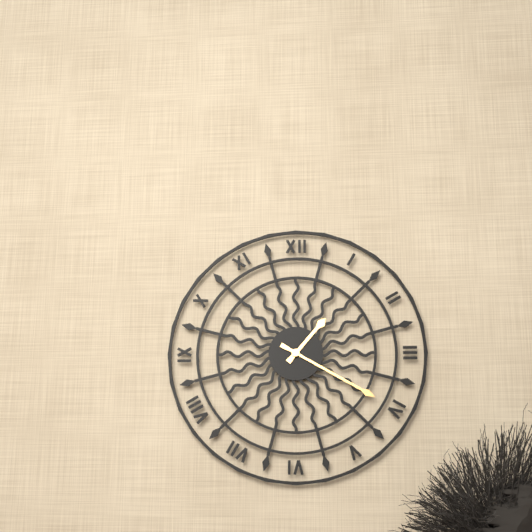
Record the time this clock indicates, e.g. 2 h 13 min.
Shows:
1 h 20 min
